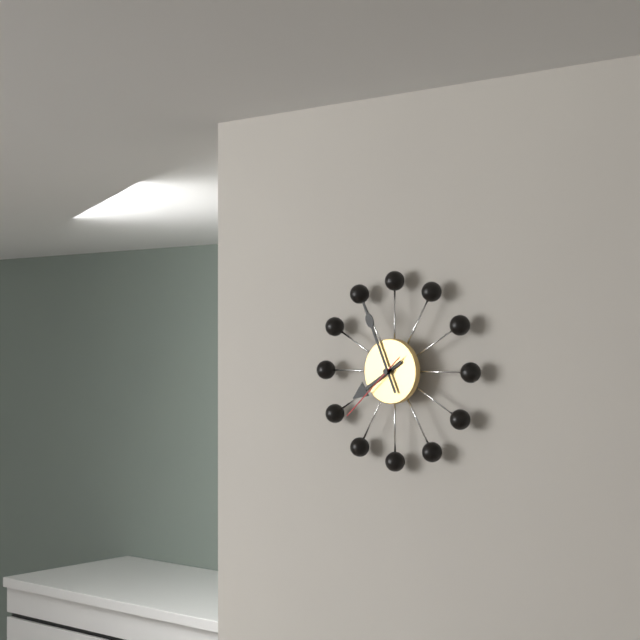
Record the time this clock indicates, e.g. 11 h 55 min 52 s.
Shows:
7 h 56 min 38 s
